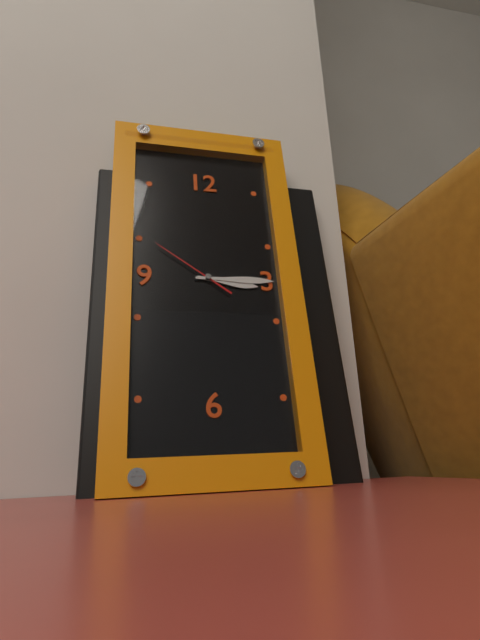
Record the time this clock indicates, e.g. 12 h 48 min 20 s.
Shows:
3 h 15 min 51 s
